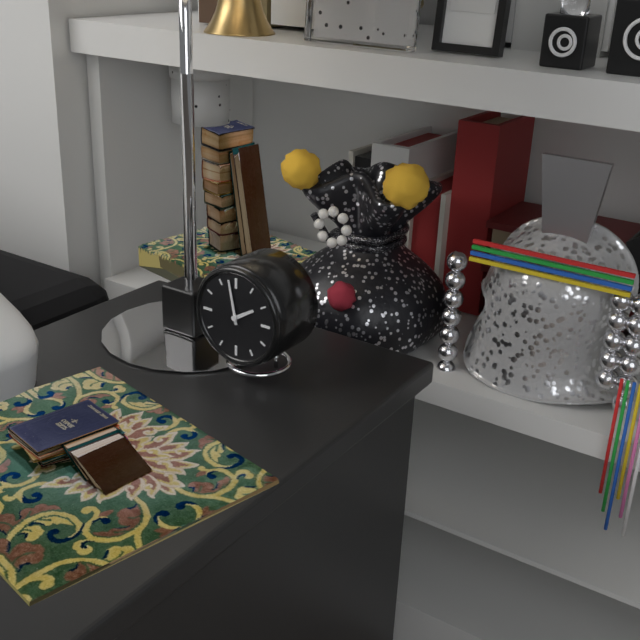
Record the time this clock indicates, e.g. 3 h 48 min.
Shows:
1 h 58 min
